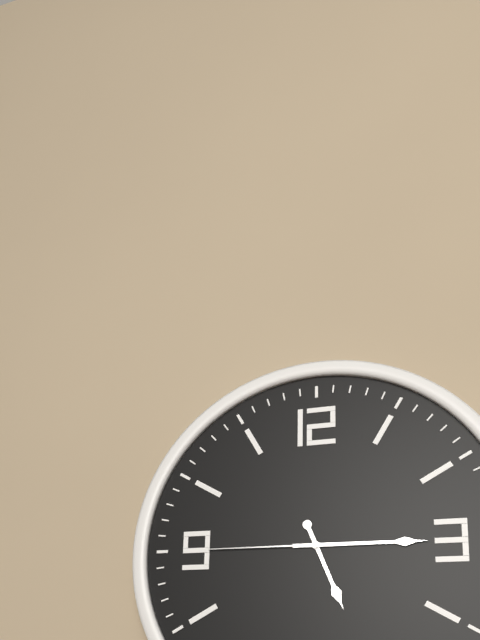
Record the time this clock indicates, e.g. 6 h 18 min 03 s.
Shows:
5 h 15 min 45 s
